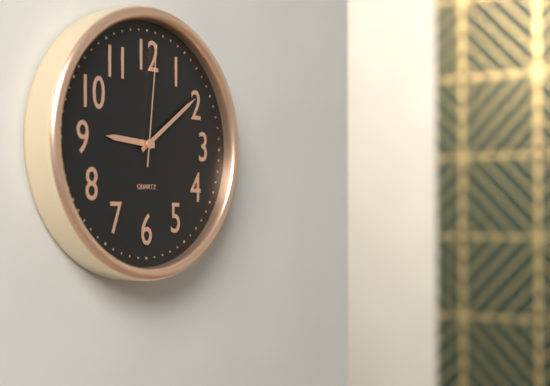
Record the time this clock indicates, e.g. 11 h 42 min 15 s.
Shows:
9 h 09 min 01 s
